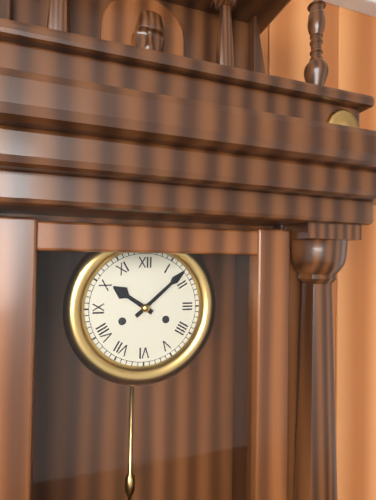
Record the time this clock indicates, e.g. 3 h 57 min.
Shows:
10 h 08 min
